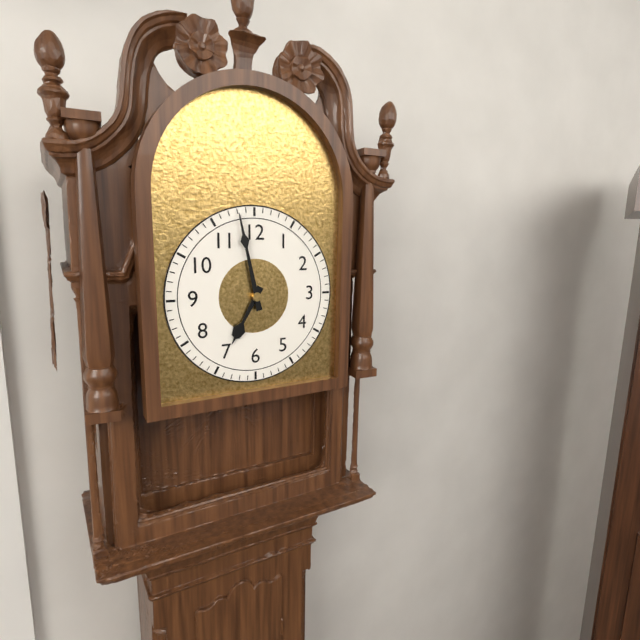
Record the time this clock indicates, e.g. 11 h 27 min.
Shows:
6 h 58 min
